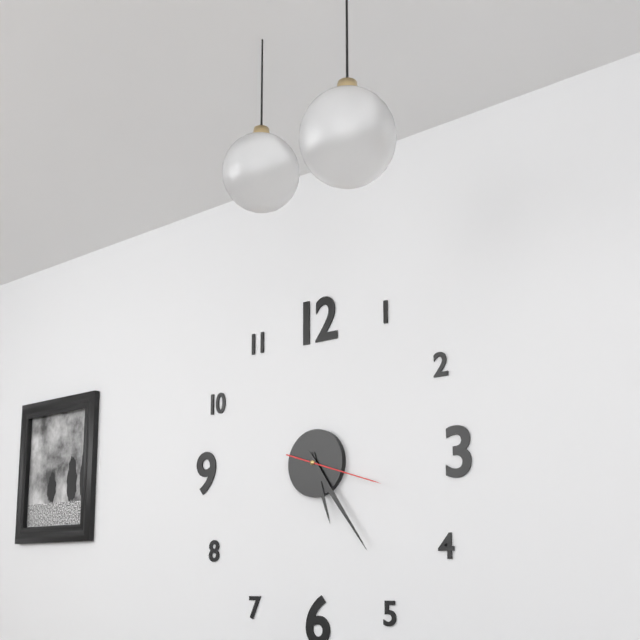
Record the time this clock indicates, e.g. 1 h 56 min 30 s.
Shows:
5 h 24 min 18 s
